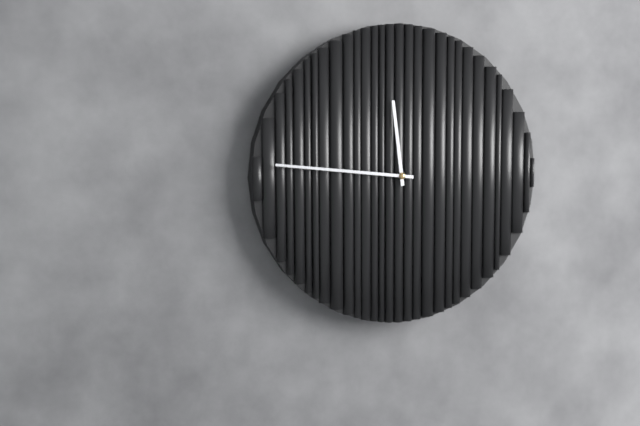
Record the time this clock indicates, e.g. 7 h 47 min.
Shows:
11 h 46 min
